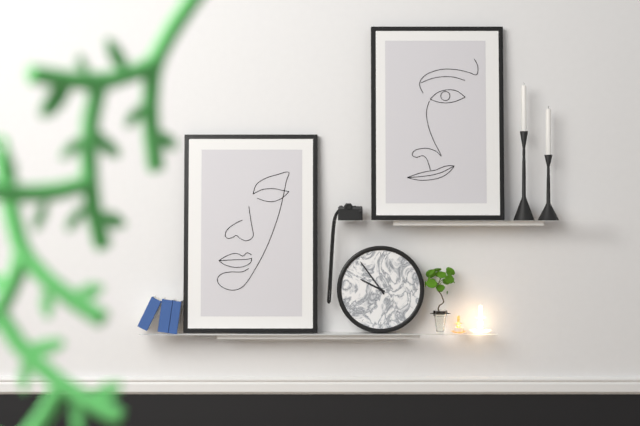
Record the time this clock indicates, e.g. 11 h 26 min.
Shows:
9 h 54 min
